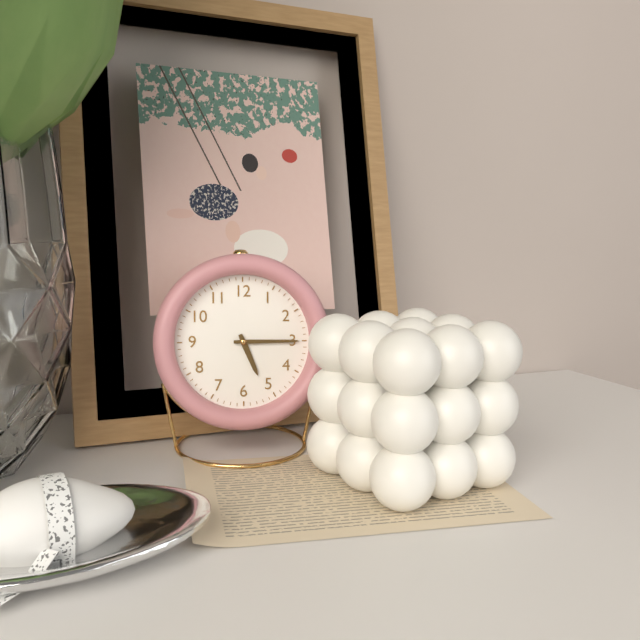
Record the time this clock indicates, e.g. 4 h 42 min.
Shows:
5 h 15 min
